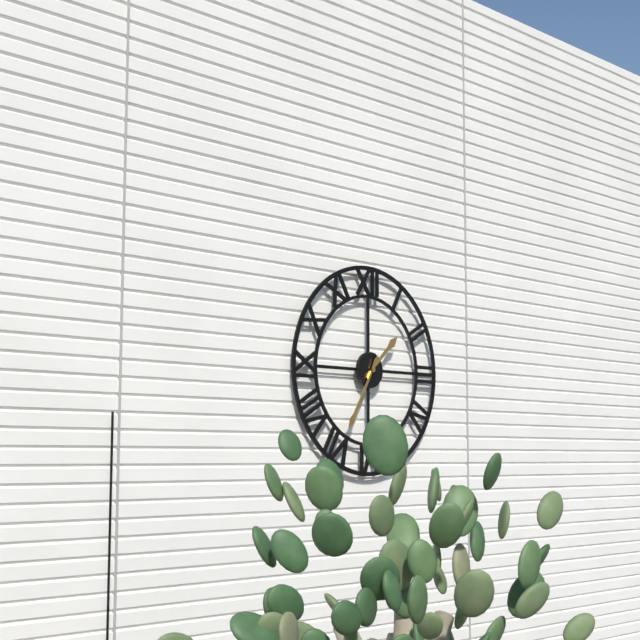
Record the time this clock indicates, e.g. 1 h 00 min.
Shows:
1 h 35 min
